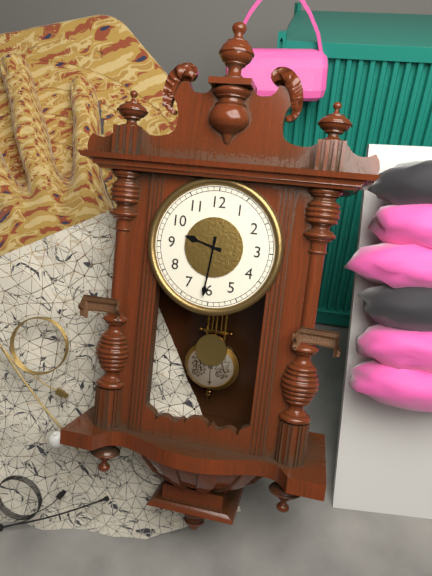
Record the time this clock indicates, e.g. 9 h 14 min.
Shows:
9 h 31 min
